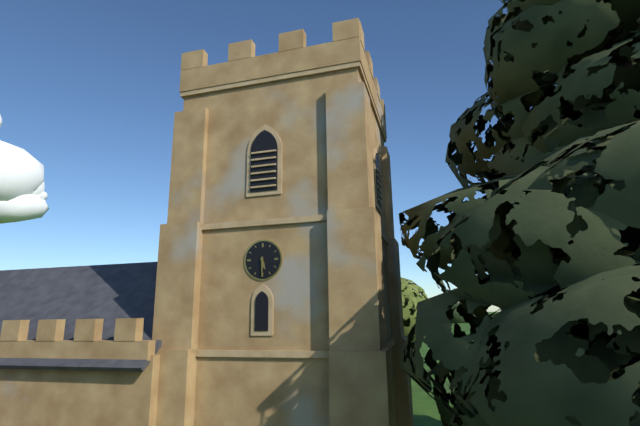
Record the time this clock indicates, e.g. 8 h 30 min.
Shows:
5 h 30 min
